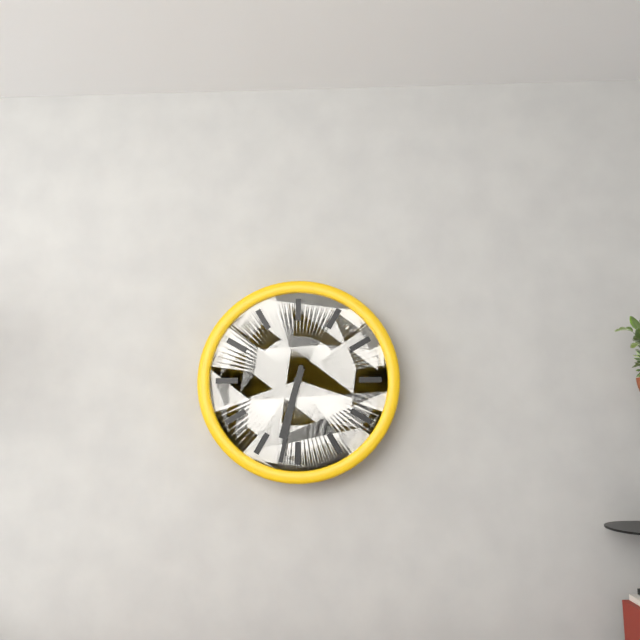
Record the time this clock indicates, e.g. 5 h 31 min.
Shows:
6 h 32 min
